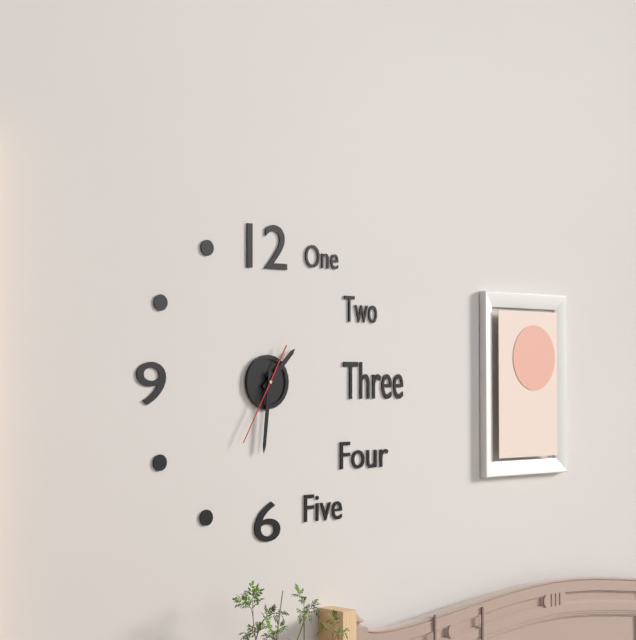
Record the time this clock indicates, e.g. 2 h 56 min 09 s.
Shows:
1 h 31 min 35 s
